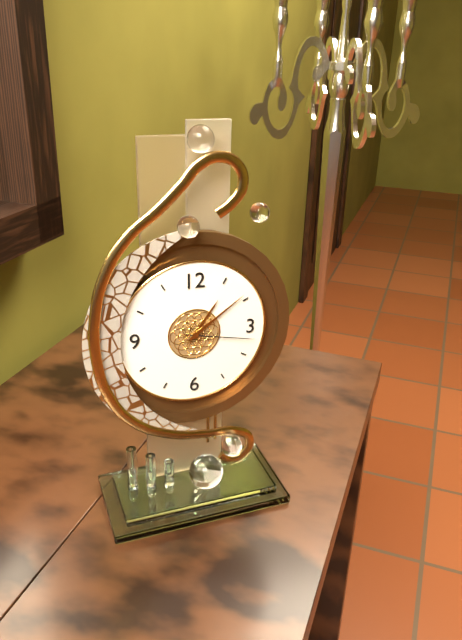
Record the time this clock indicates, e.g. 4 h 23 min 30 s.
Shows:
1 h 09 min 17 s
